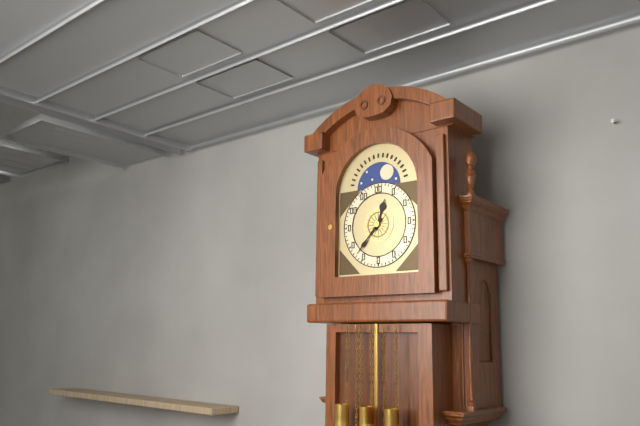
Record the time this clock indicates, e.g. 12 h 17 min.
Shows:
12 h 37 min
